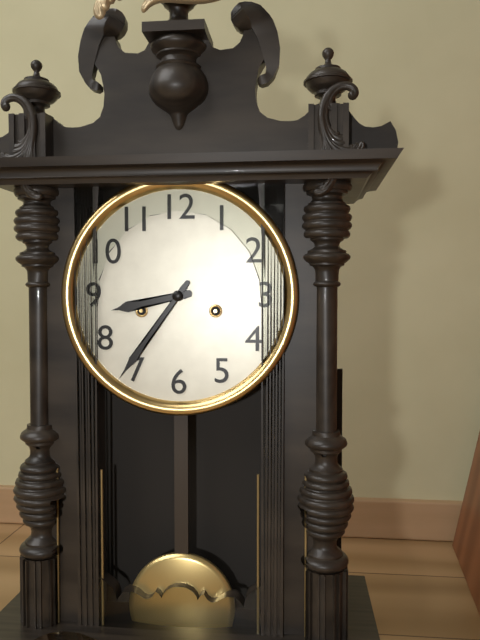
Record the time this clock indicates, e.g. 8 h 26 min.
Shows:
8 h 36 min
